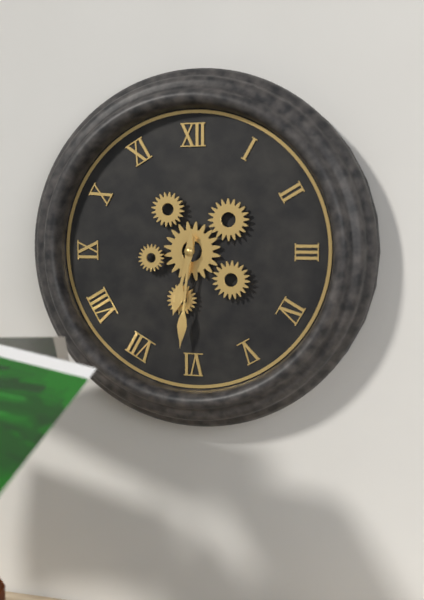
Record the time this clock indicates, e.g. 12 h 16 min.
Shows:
6 h 31 min
